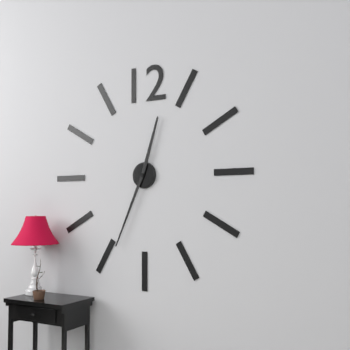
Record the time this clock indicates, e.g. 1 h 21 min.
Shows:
12 h 34 min
